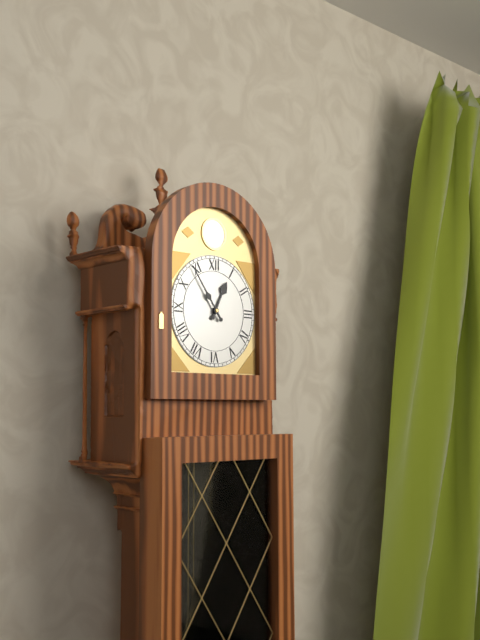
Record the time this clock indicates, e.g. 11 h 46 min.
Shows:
12 h 54 min
